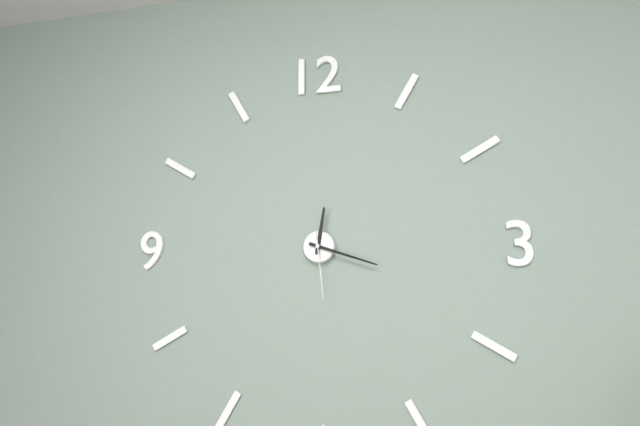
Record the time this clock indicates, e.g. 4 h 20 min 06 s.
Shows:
12 h 18 min 29 s
